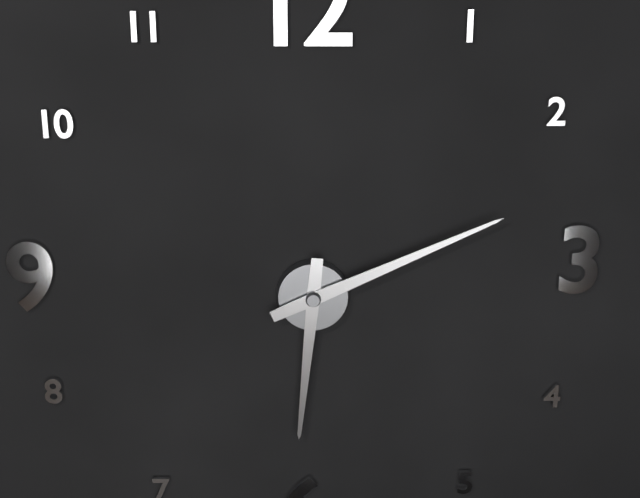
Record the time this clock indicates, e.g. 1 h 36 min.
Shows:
6 h 11 min
